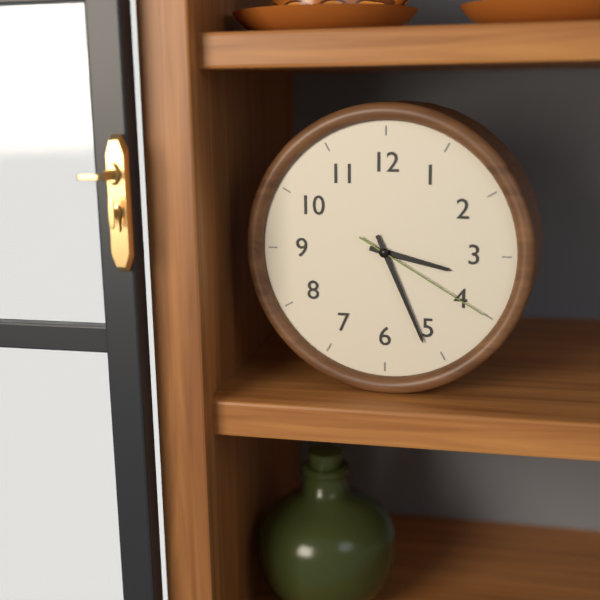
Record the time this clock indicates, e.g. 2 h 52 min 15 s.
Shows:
3 h 26 min 20 s
